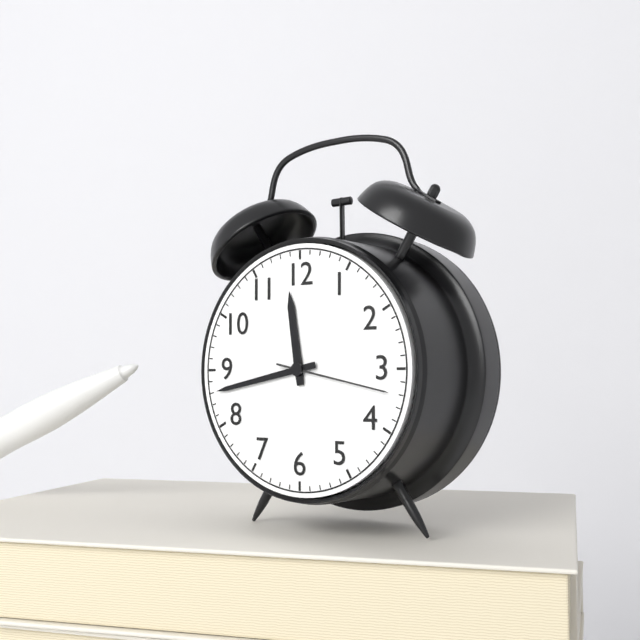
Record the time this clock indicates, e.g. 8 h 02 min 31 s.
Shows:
11 h 43 min 17 s
